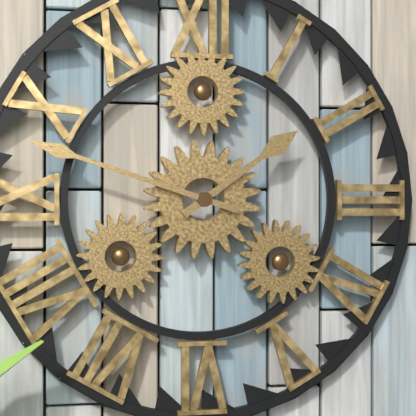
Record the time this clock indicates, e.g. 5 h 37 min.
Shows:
1 h 48 min
